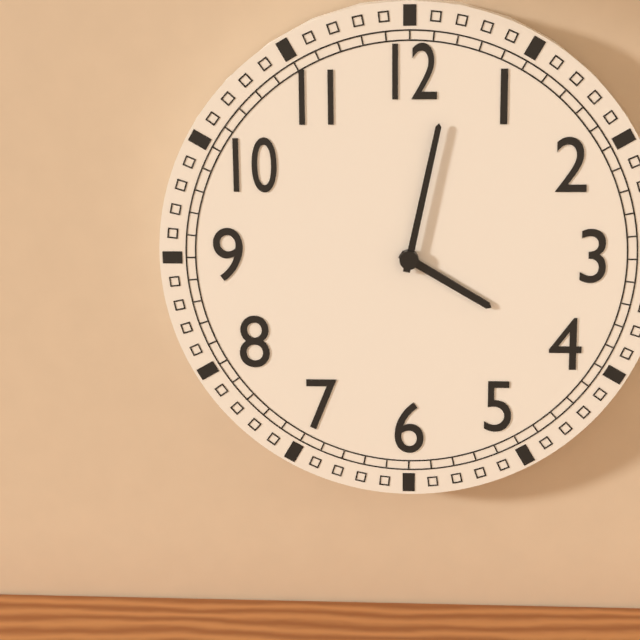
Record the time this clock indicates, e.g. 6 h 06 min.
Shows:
4 h 02 min
